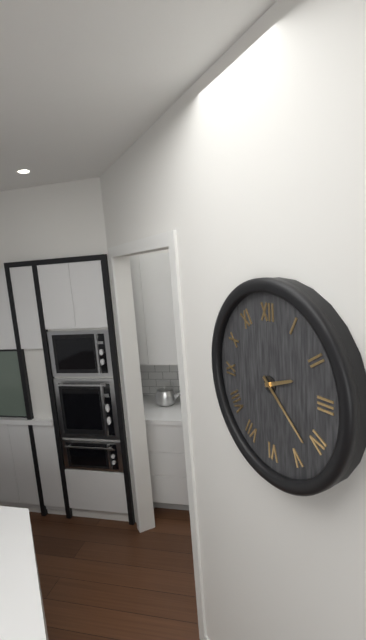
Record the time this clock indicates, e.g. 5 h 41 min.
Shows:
2 h 22 min
